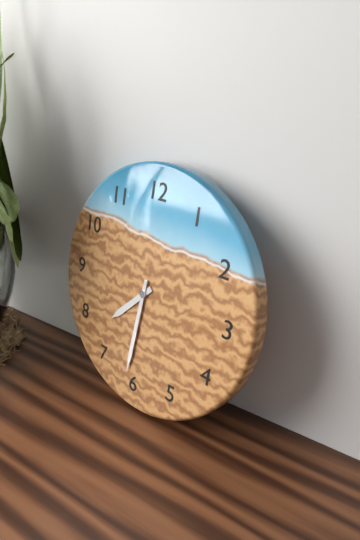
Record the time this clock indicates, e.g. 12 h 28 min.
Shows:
7 h 31 min
